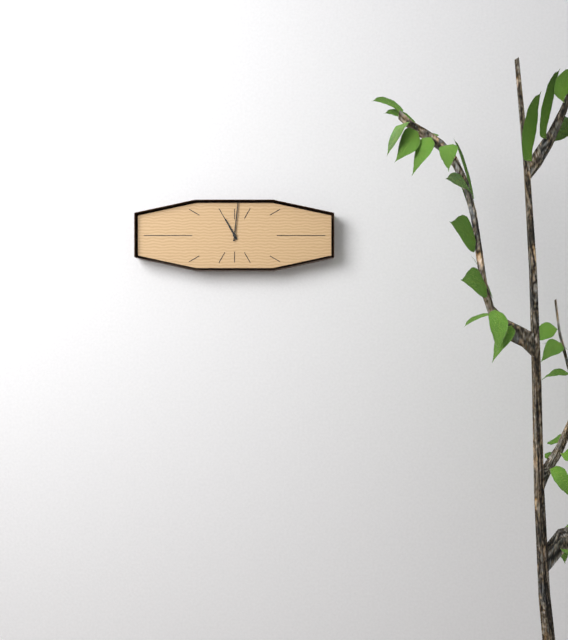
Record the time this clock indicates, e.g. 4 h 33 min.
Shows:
11 h 01 min
